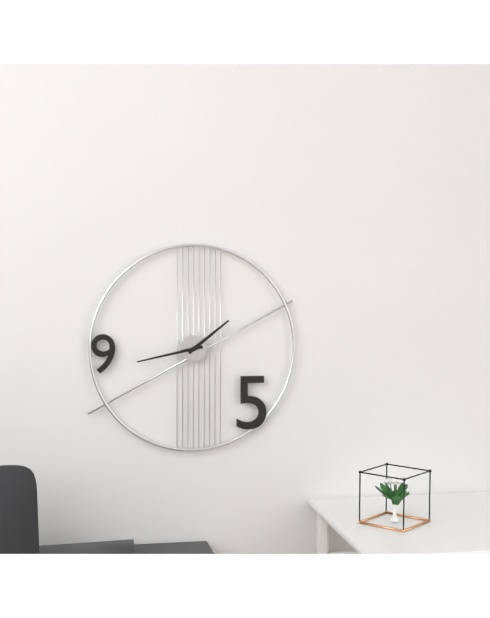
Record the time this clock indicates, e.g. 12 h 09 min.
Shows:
1 h 43 min
